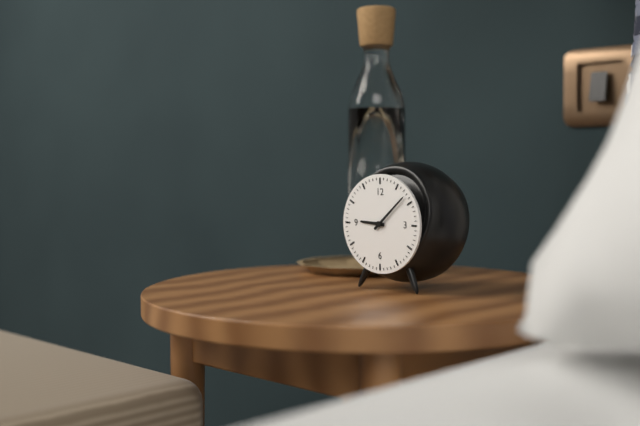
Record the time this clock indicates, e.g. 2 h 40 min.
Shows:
9 h 08 min
